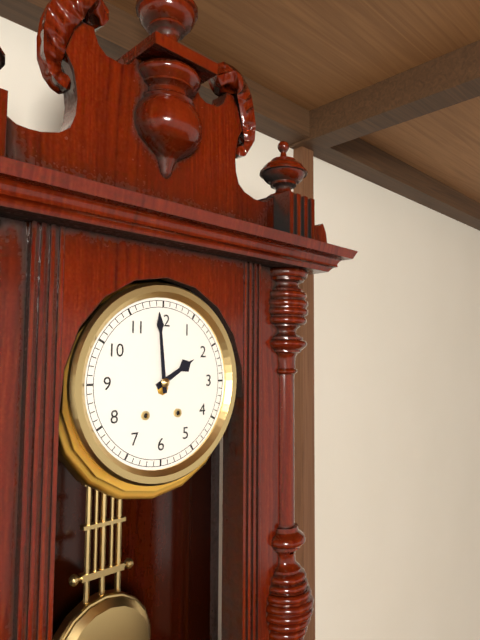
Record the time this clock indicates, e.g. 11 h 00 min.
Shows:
1 h 59 min
